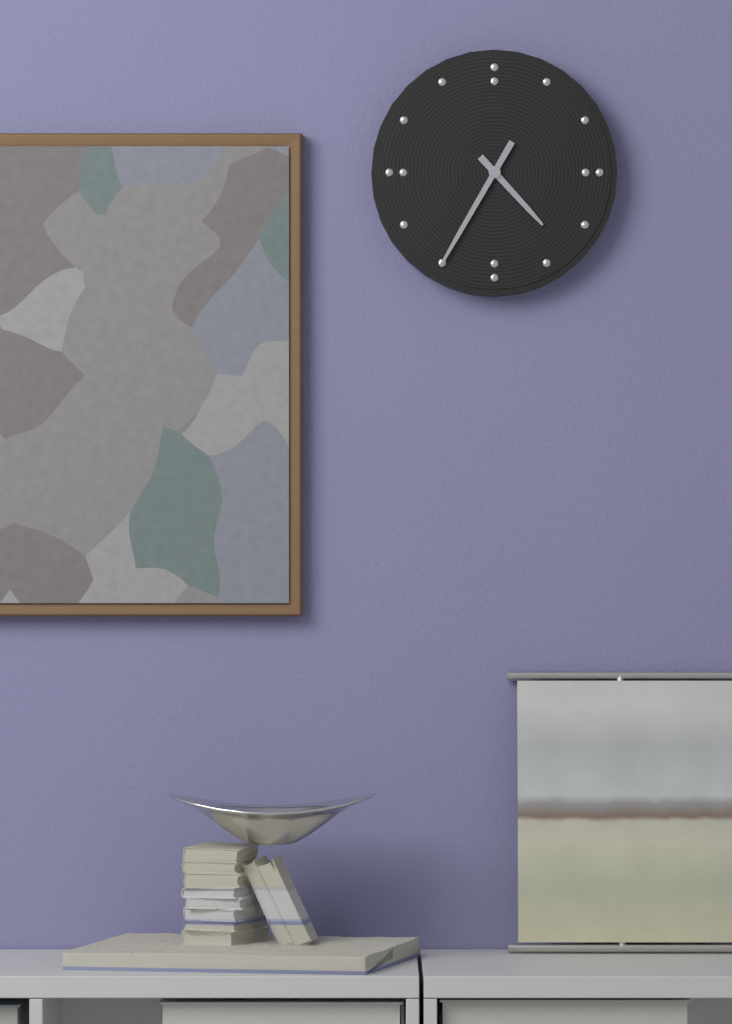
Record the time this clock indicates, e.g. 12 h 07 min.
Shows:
4 h 35 min
